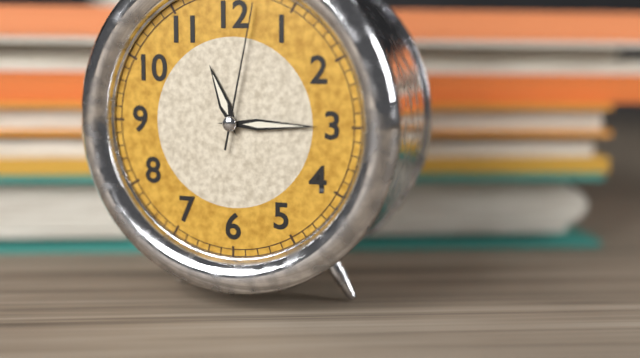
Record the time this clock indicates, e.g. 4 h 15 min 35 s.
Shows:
11 h 15 min 02 s
